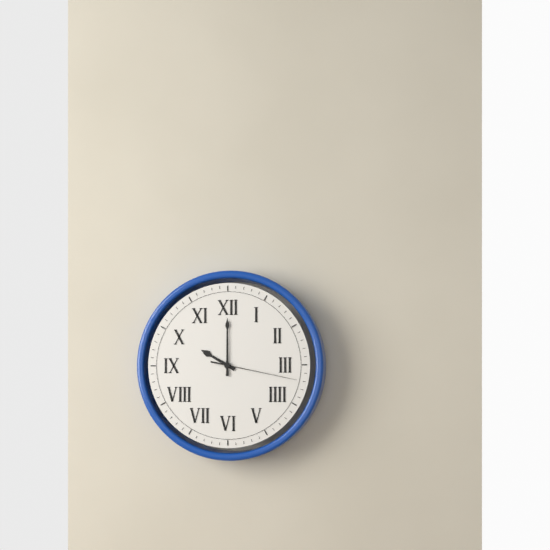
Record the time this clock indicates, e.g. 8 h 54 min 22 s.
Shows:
10 h 00 min 17 s
